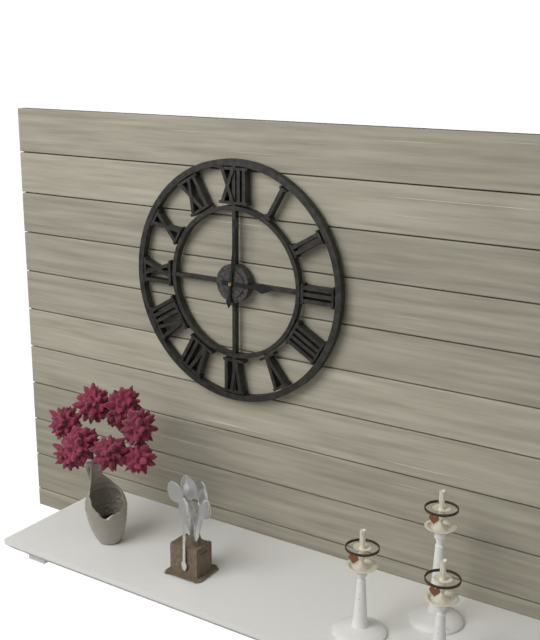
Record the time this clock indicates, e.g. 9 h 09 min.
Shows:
3 h 01 min
